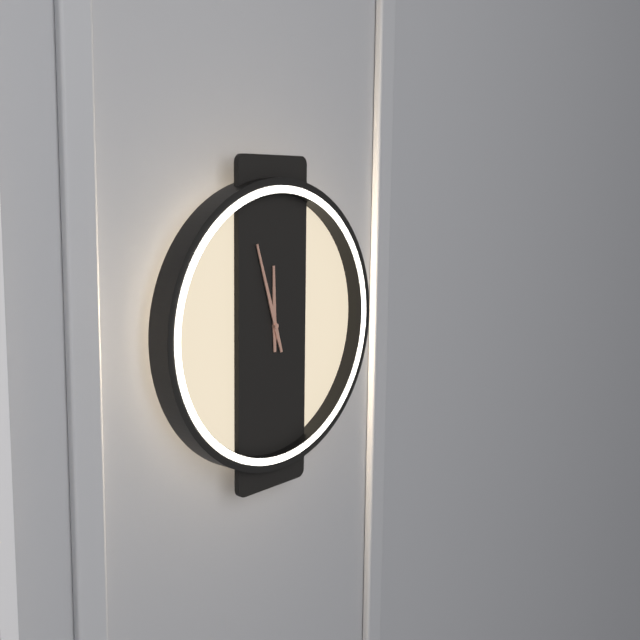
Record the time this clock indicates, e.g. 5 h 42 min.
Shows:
11 h 57 min
